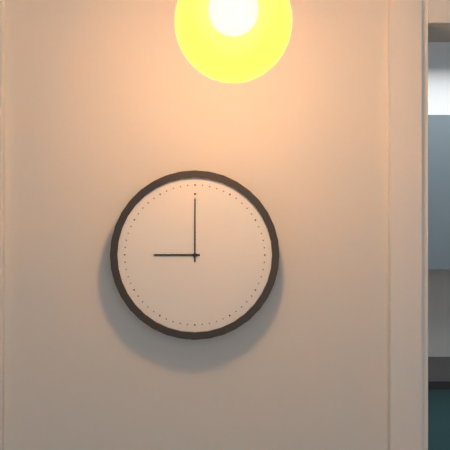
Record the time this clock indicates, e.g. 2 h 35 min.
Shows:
9 h 00 min
